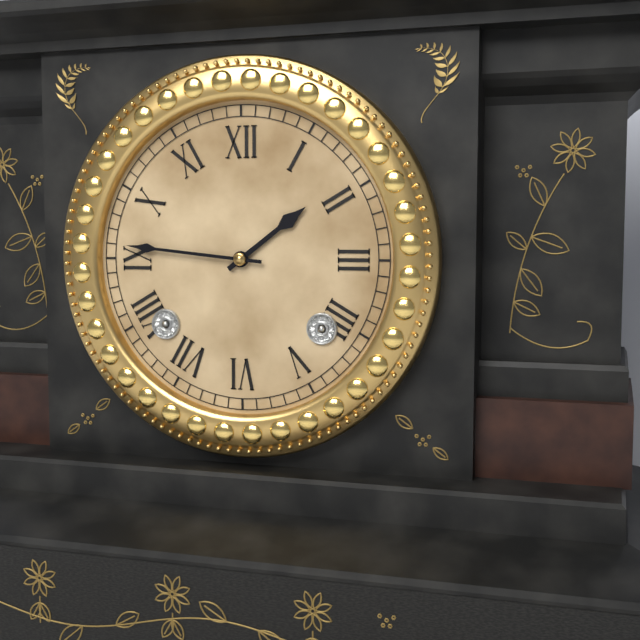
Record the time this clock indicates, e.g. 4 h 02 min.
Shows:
1 h 46 min
